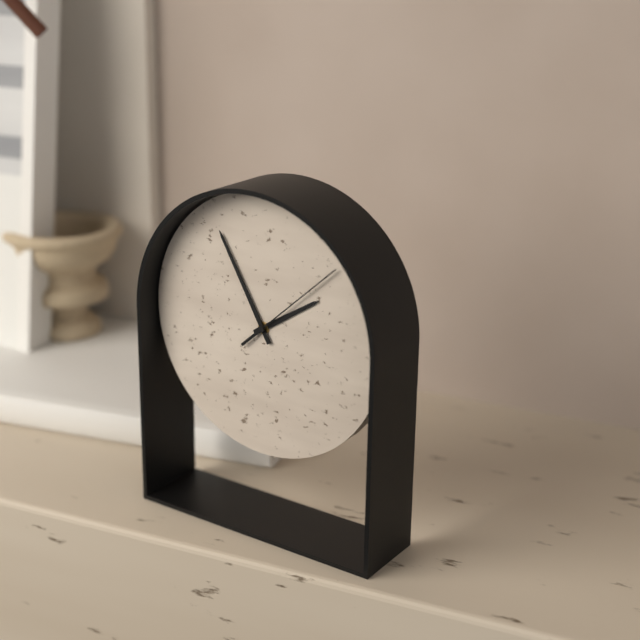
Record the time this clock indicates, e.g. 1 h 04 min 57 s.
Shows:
1 h 55 min 08 s
